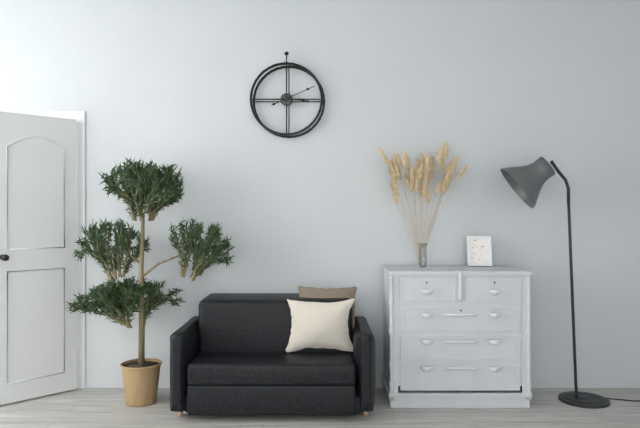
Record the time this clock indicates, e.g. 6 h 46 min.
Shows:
3 h 11 min
